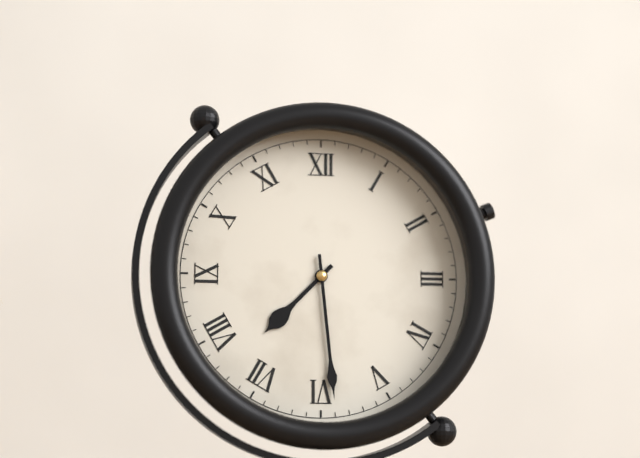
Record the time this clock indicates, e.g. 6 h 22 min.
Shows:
7 h 29 min
